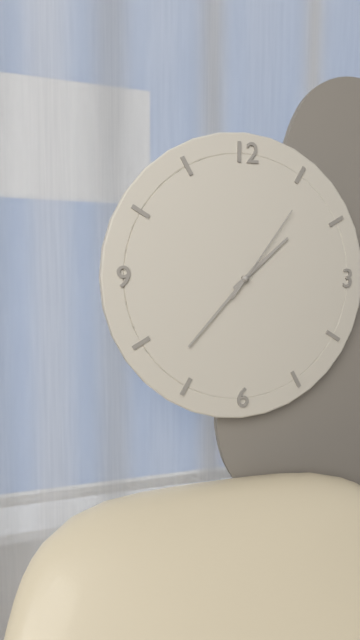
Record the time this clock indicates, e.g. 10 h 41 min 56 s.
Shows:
1 h 37 min 06 s
